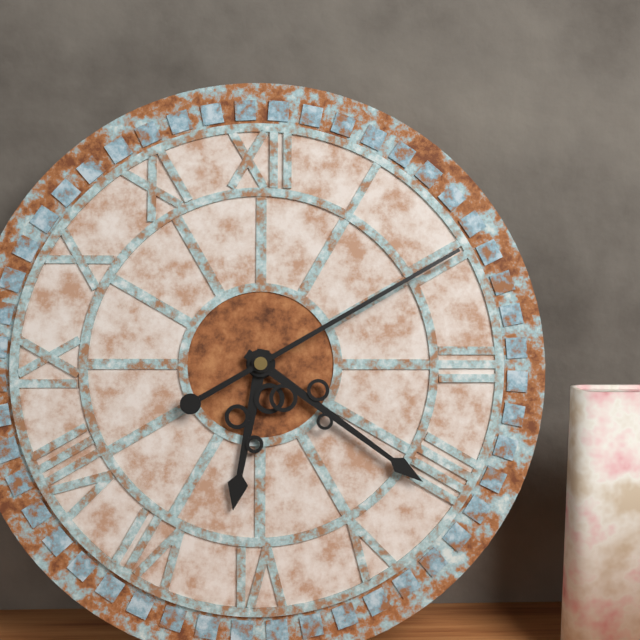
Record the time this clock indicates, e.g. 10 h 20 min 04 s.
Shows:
6 h 21 min 10 s
